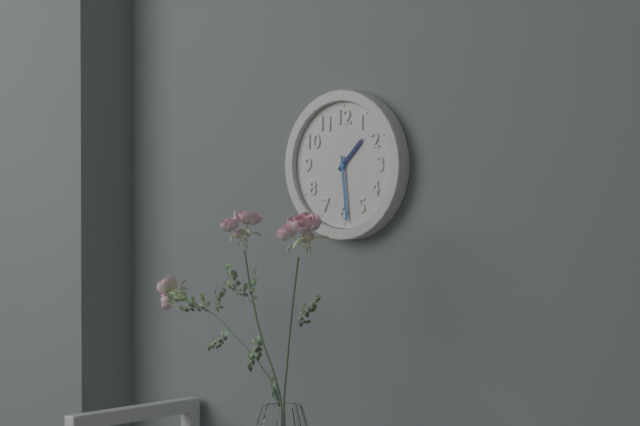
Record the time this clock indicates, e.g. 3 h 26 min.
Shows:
1 h 29 min
